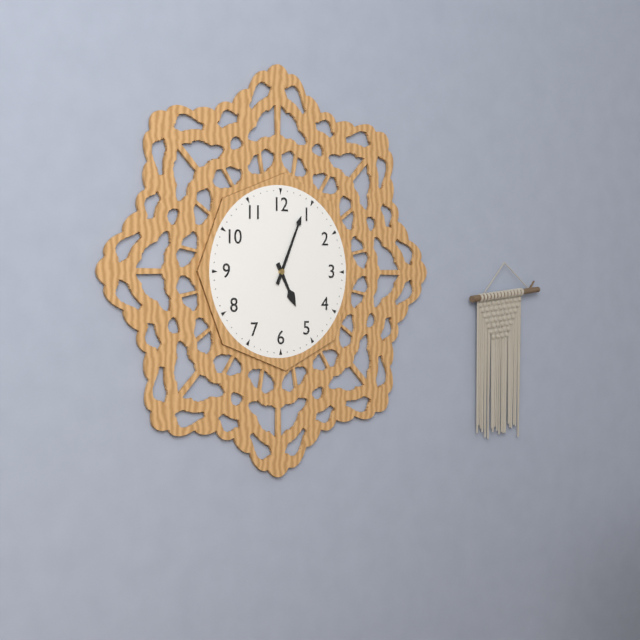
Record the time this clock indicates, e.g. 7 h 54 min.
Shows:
5 h 04 min
